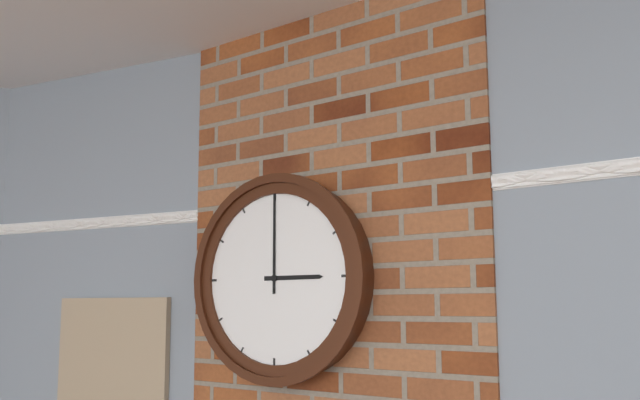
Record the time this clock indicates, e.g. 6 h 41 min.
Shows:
3 h 00 min
